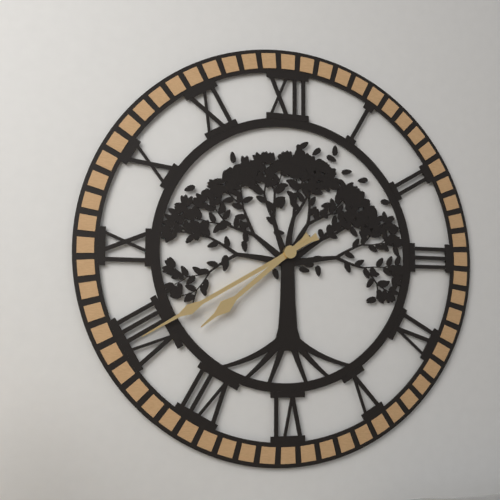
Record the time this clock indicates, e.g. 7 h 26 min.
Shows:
7 h 40 min
